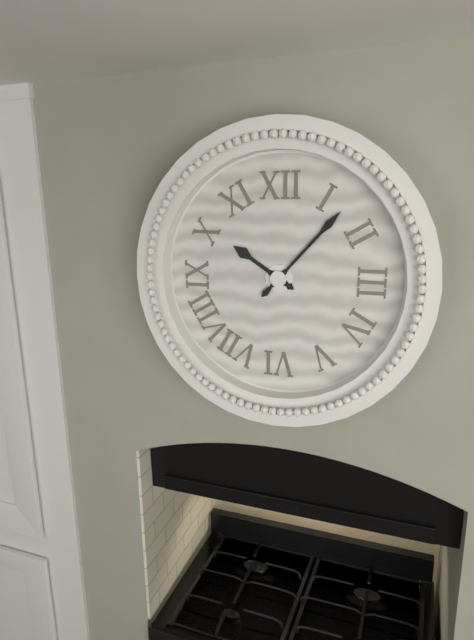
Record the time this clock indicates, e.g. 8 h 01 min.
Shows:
10 h 07 min
